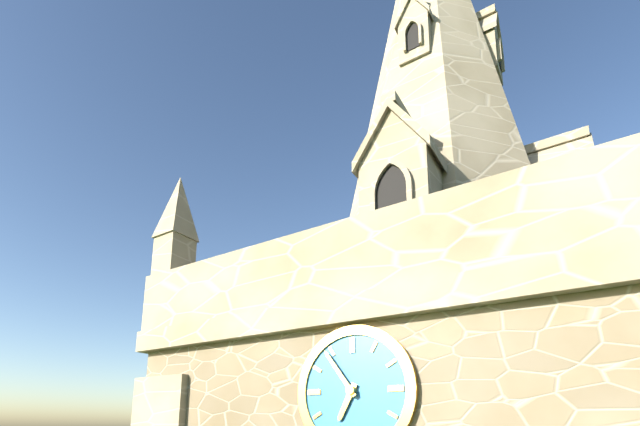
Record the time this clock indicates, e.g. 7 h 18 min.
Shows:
6 h 54 min
